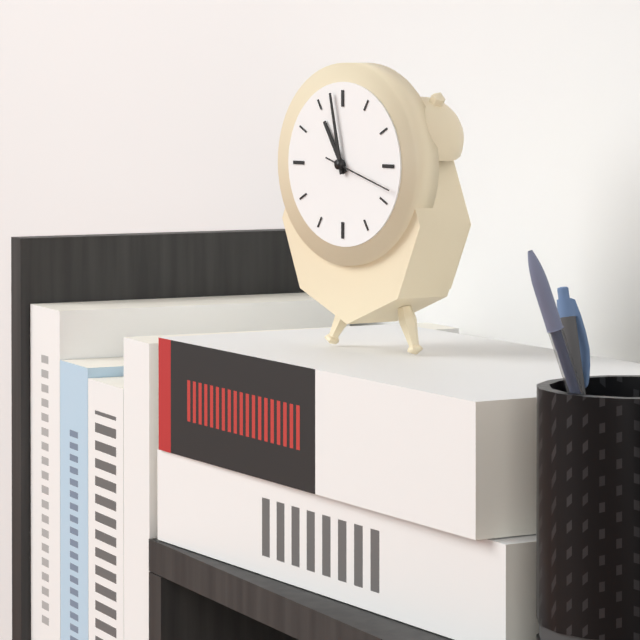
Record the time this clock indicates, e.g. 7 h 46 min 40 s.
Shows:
10 h 58 min 18 s
